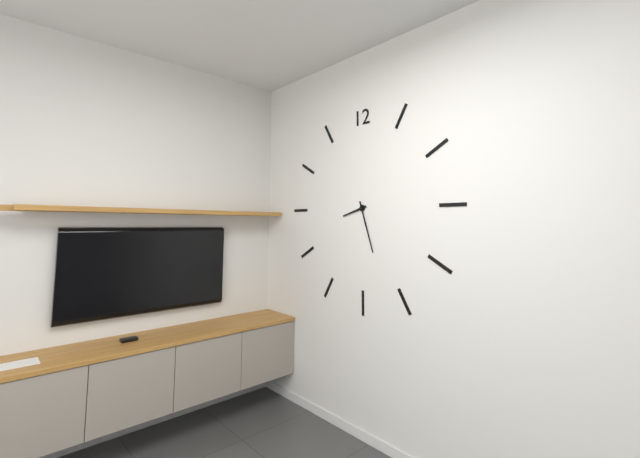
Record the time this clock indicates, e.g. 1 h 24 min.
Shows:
8 h 27 min
